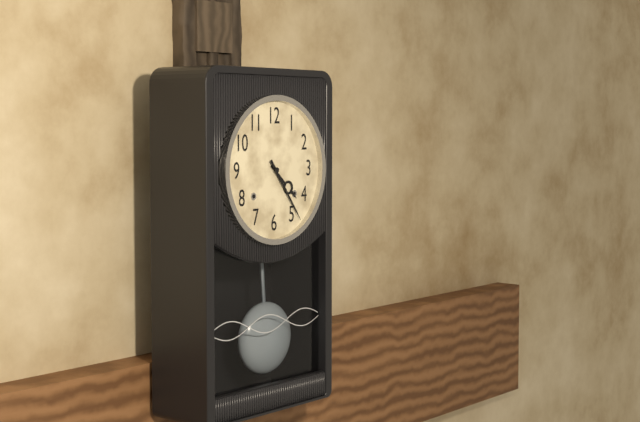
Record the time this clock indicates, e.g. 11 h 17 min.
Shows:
4 h 24 min
